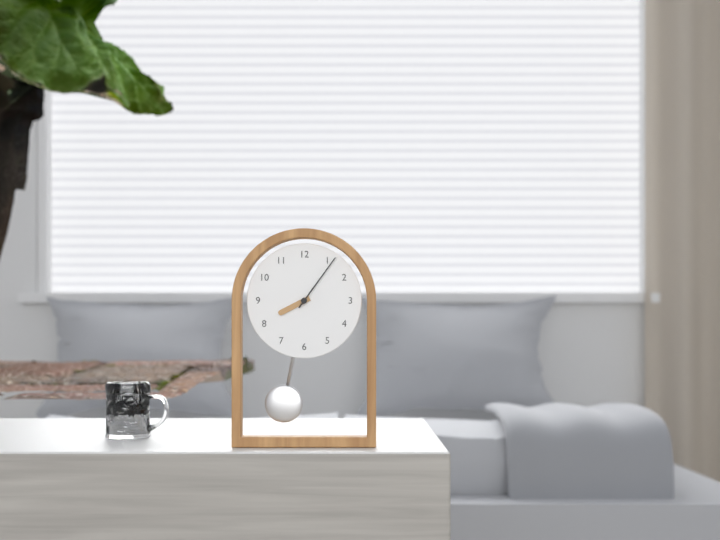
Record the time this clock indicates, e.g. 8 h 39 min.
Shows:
8 h 06 min
